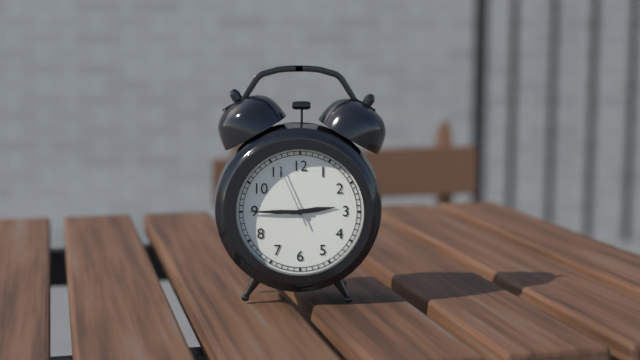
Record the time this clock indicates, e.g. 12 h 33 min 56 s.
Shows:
2 h 45 min 56 s
